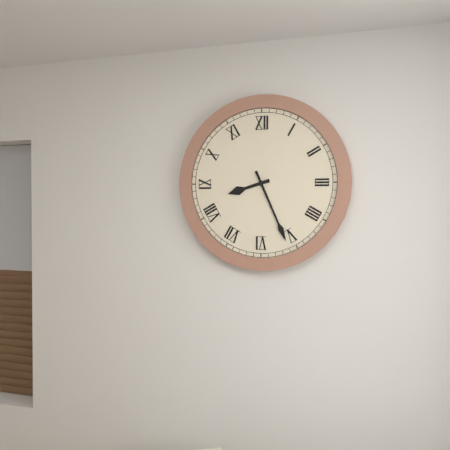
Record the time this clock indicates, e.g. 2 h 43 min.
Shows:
8 h 26 min
